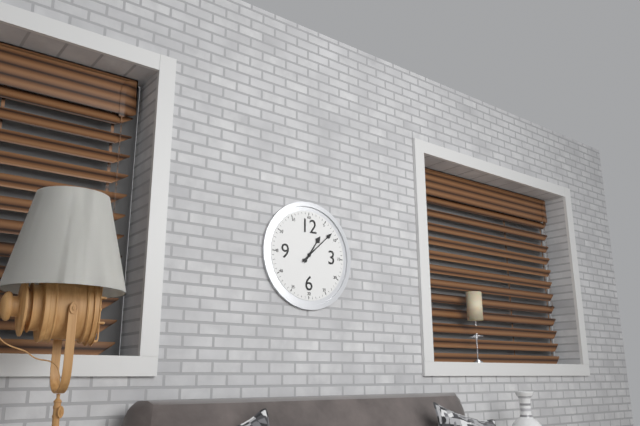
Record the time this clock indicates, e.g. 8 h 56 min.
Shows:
1 h 08 min
